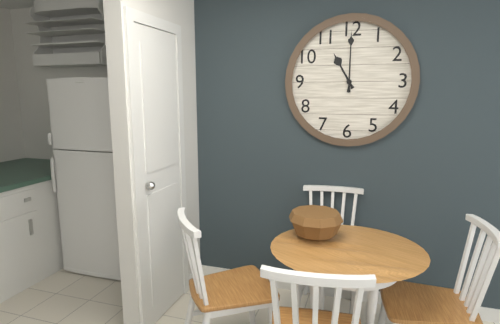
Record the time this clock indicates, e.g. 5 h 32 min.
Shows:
11 h 00 min
